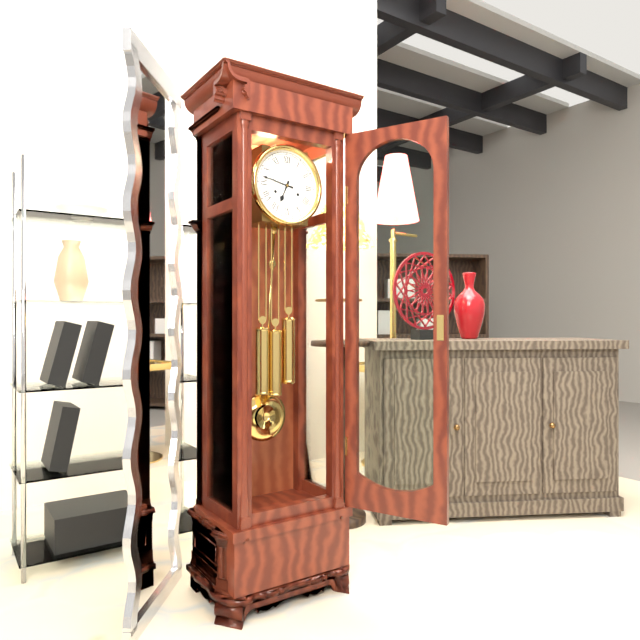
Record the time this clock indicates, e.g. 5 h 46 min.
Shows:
6 h 47 min
